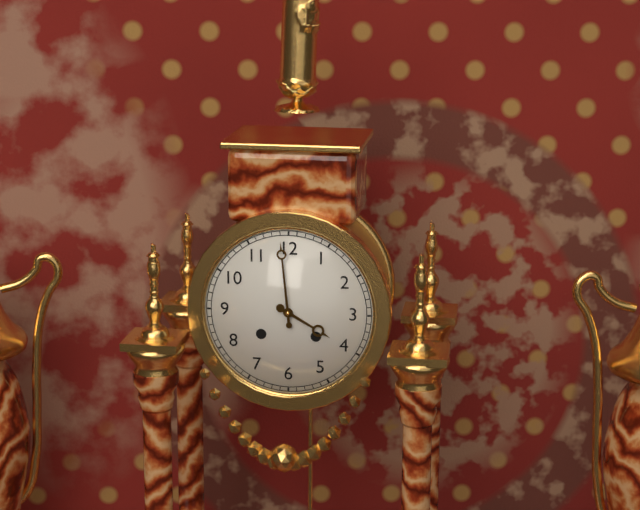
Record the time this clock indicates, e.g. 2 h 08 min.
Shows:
3 h 59 min
